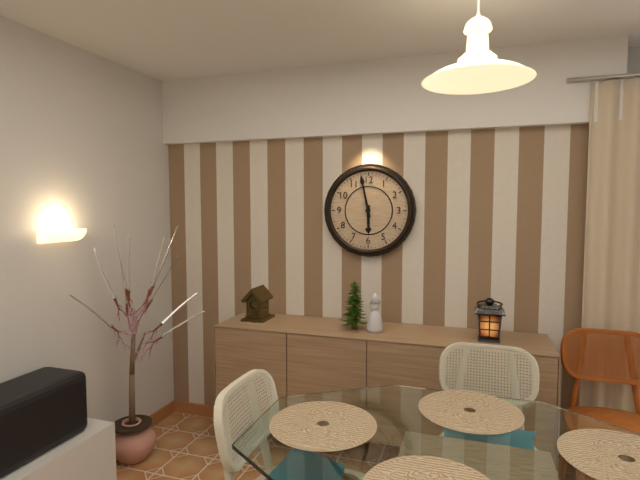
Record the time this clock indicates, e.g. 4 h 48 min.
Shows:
5 h 58 min
